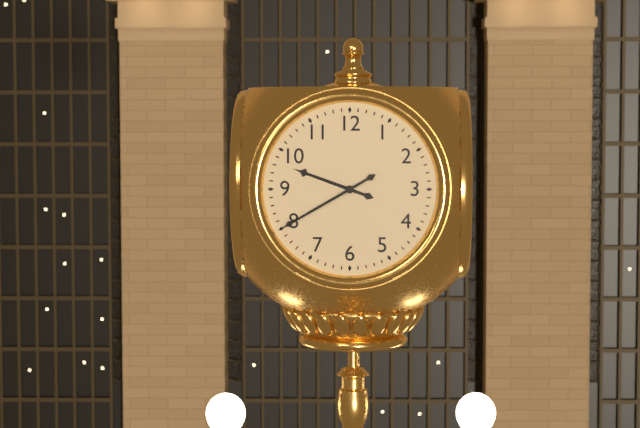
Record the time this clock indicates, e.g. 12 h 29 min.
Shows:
9 h 40 min
